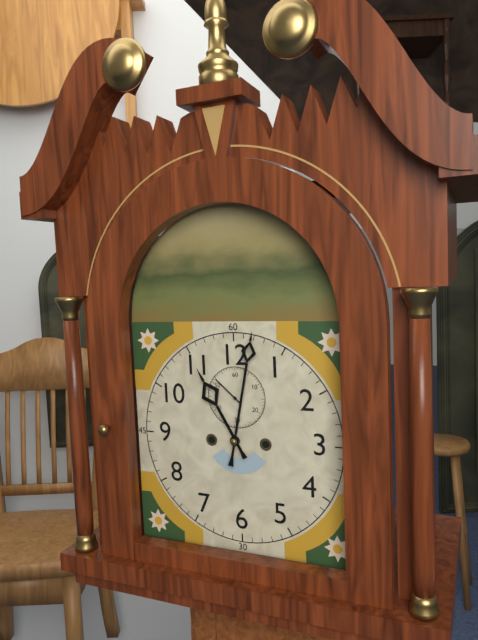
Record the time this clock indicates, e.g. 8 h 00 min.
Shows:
11 h 02 min
